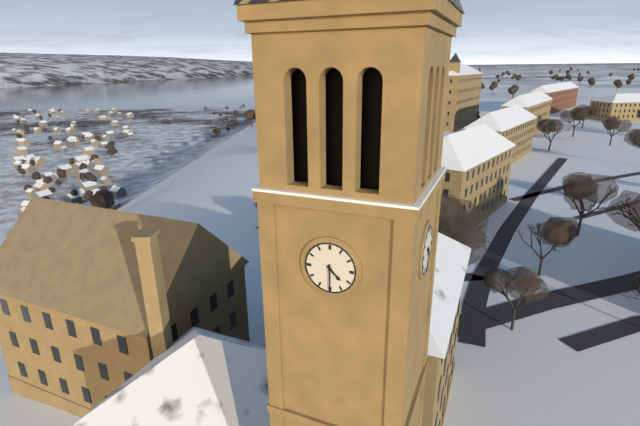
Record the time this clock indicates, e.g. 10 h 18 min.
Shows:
4 h 30 min
